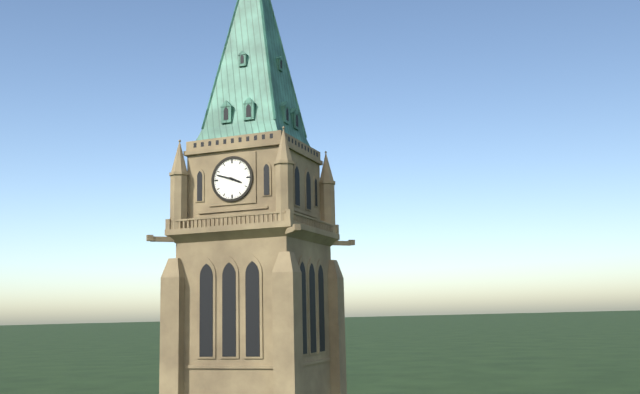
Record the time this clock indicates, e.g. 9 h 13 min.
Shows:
3 h 48 min
